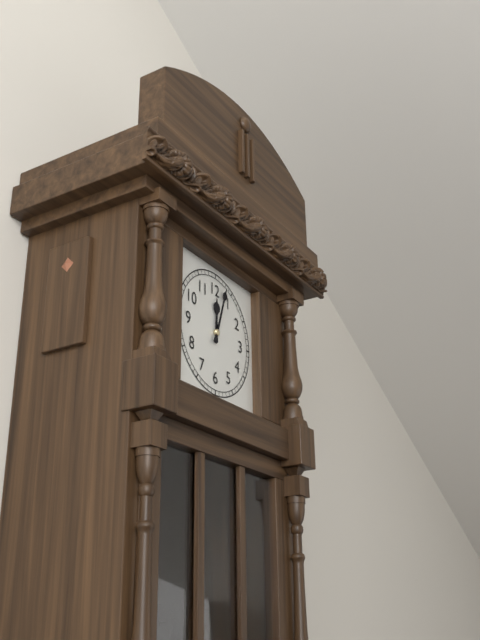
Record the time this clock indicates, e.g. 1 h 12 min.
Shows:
12 h 03 min
